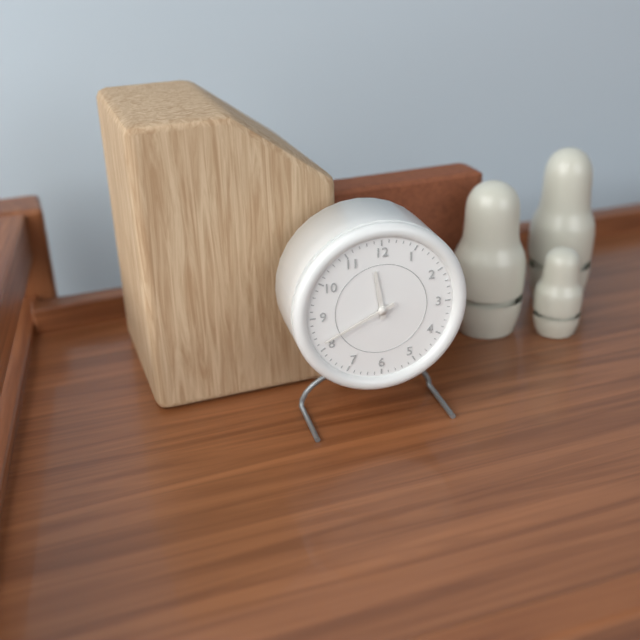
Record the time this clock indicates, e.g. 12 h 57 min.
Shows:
11 h 41 min
